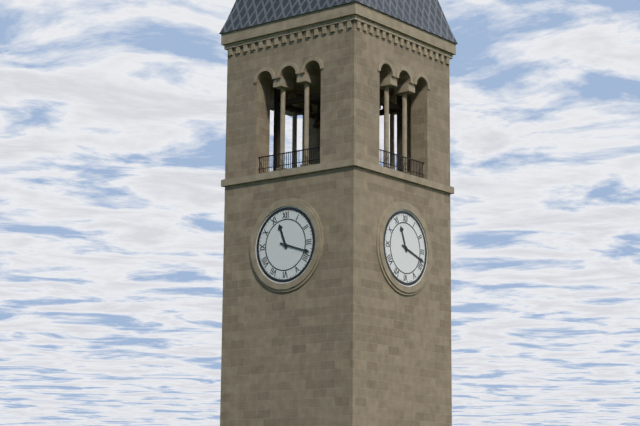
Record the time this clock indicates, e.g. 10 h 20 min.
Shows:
11 h 18 min
